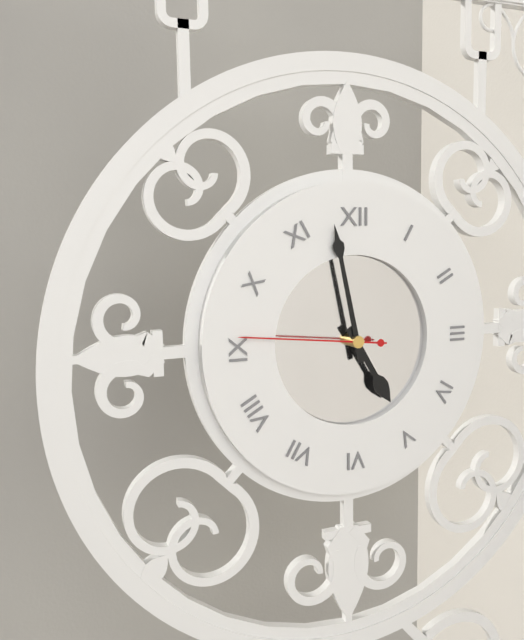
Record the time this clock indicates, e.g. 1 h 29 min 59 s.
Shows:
4 h 58 min 46 s
